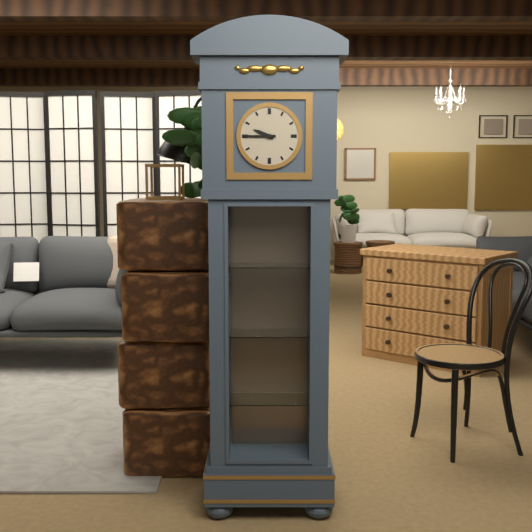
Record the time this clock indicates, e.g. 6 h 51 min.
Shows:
9 h 45 min
